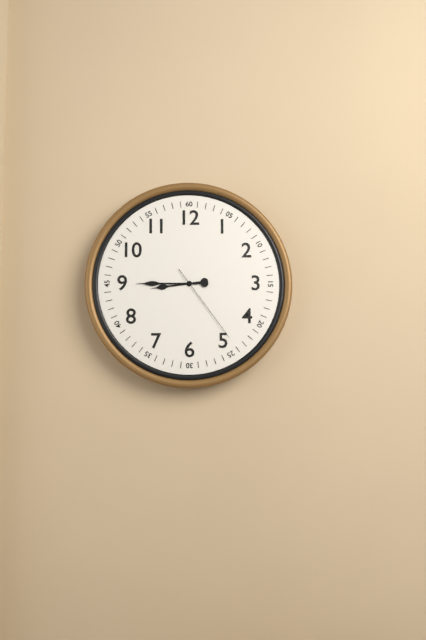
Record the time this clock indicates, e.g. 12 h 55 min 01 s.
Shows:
8 h 45 min 24 s
